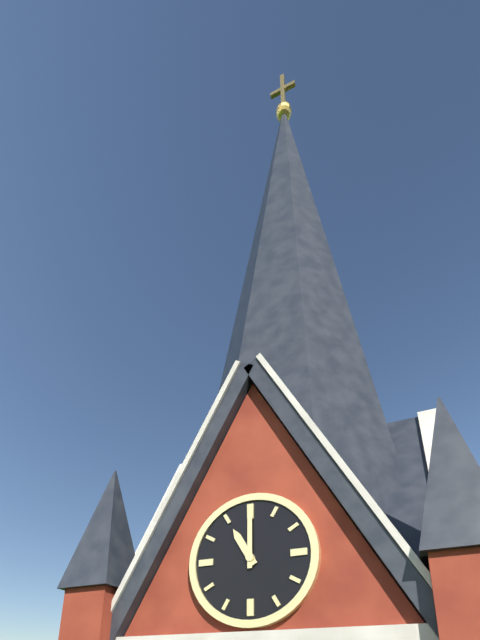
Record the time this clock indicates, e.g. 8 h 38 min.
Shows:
11 h 00 min
